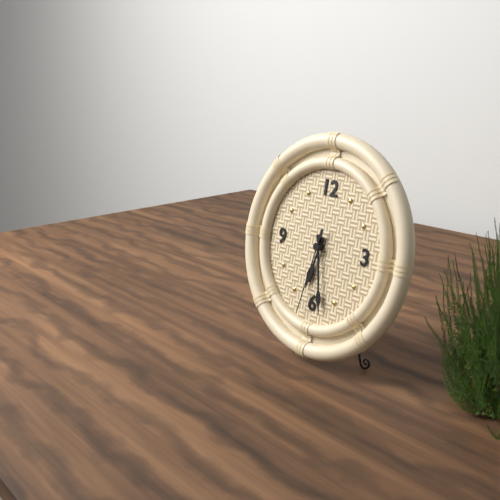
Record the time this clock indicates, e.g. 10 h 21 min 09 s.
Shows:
6 h 28 min 32 s
